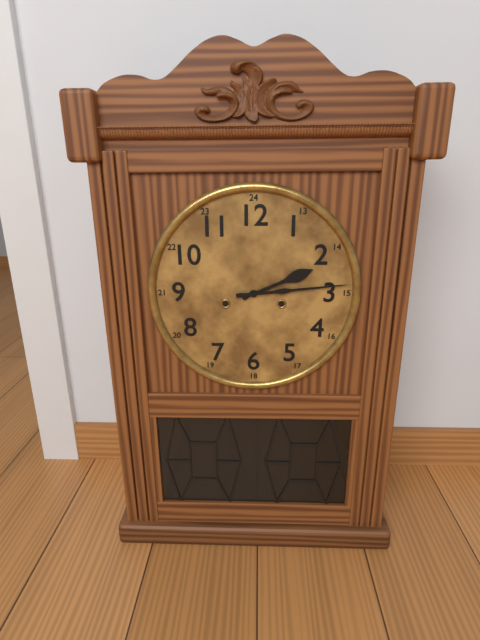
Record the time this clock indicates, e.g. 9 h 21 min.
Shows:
2 h 14 min
